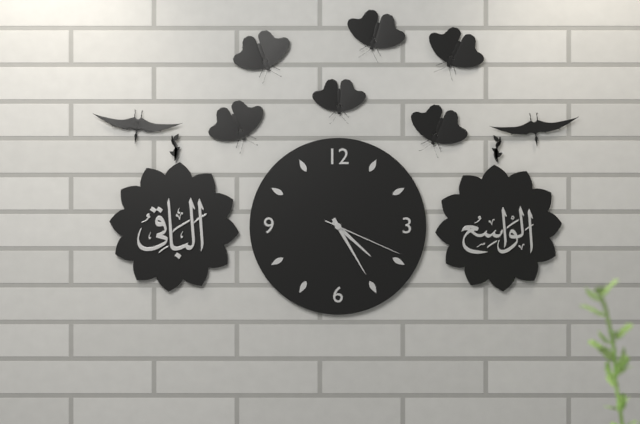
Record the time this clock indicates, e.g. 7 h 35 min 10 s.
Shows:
4 h 25 min 19 s
